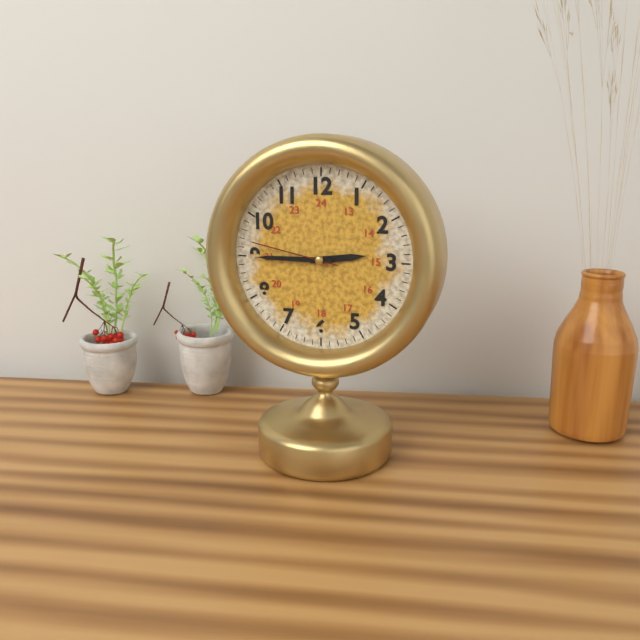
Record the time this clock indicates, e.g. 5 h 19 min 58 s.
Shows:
2 h 45 min 47 s
